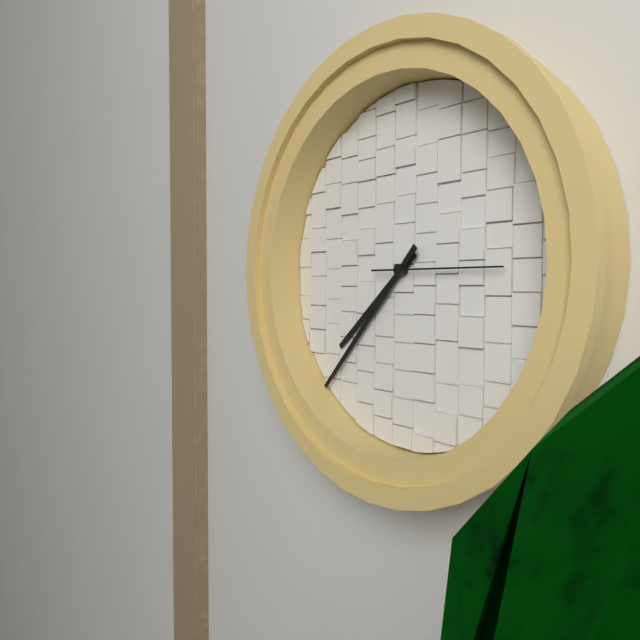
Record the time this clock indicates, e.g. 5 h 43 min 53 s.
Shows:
7 h 37 min 15 s
